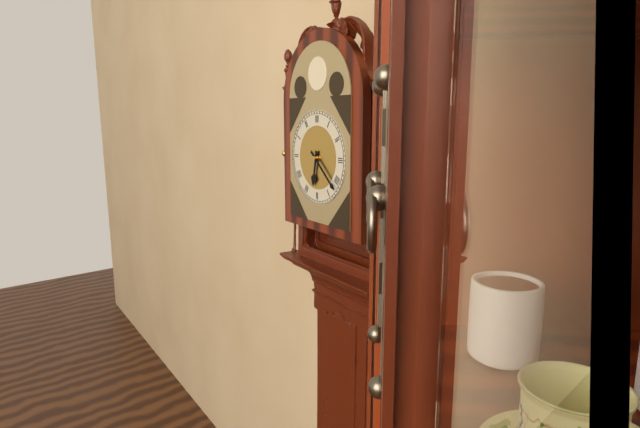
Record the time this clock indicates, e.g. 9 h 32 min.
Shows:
6 h 22 min
